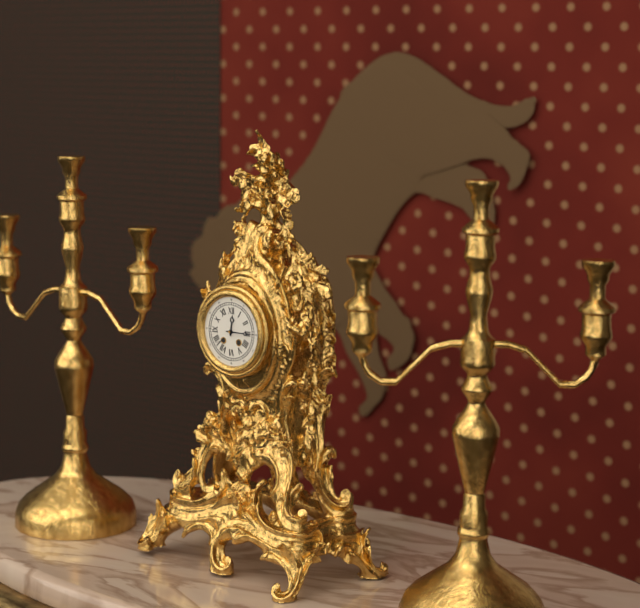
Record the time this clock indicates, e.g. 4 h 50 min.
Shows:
12 h 15 min
